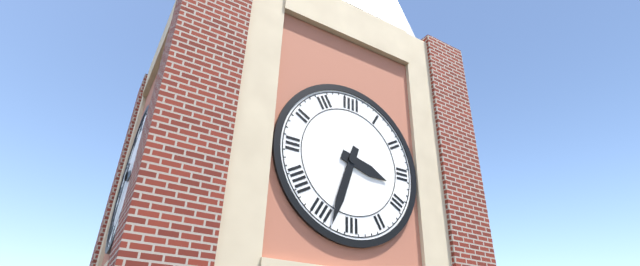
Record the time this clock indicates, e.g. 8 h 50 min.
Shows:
3 h 33 min
